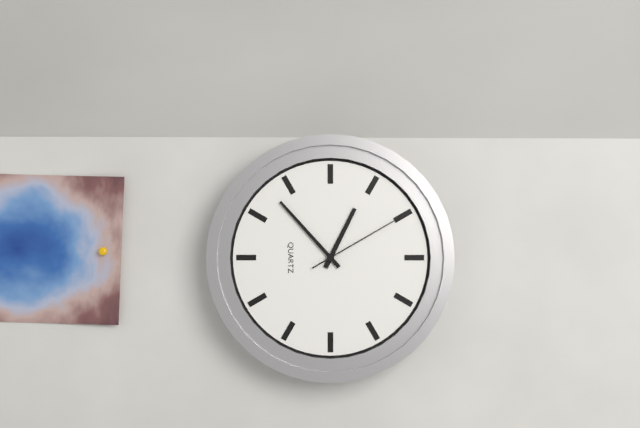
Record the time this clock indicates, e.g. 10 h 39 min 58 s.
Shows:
12 h 53 min 10 s
